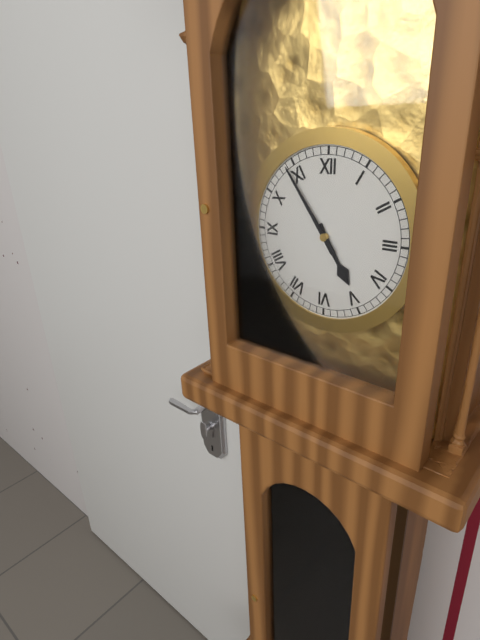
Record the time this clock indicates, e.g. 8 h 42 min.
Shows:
4 h 54 min
